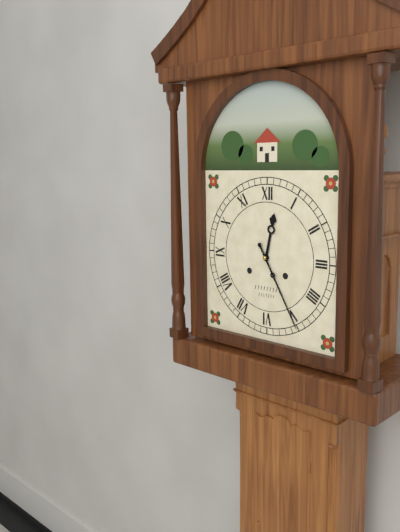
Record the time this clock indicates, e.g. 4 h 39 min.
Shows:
12 h 25 min
